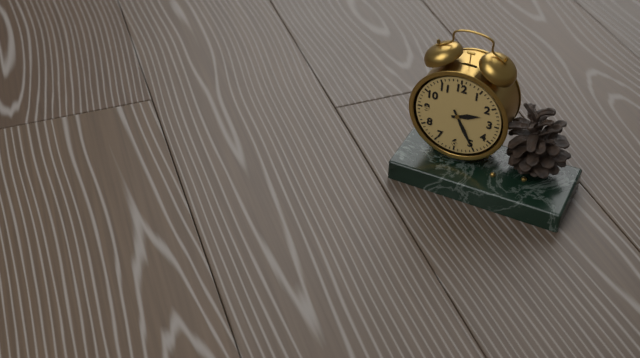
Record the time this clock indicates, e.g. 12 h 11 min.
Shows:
2 h 25 min
